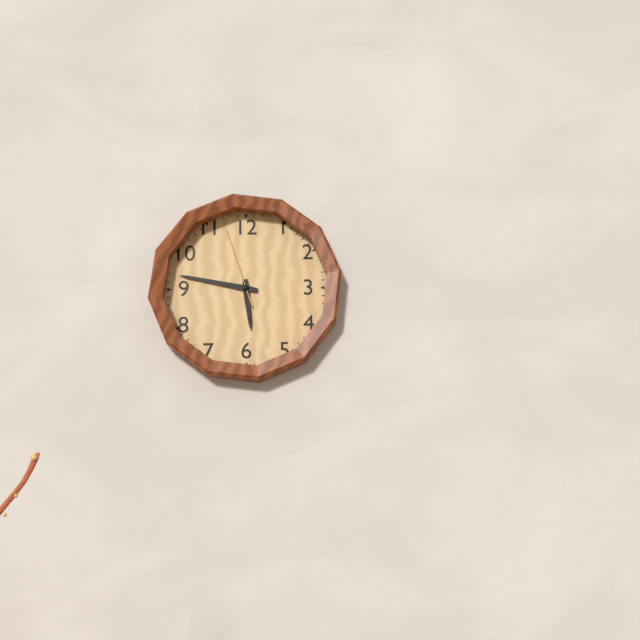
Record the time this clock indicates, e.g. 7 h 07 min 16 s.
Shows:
5 h 47 min 57 s
